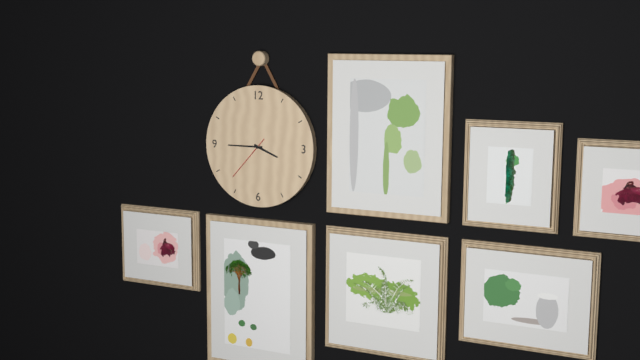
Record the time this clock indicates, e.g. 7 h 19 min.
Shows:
3 h 45 min
